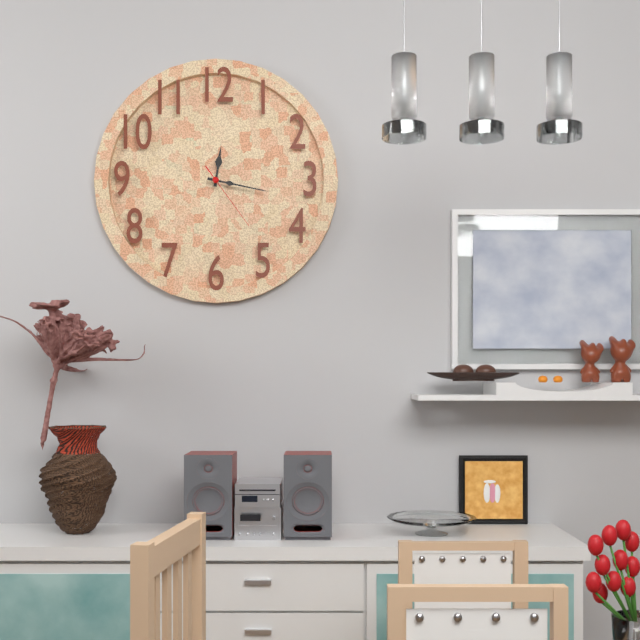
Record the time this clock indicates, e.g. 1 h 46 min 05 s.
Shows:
12 h 17 min 24 s
